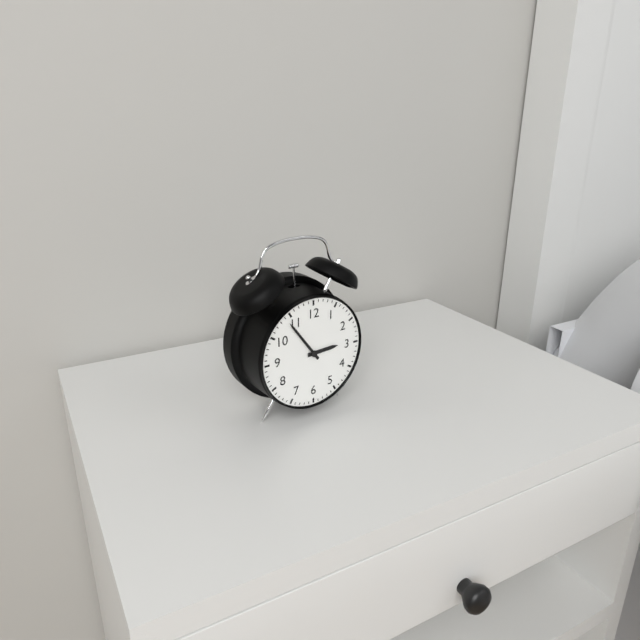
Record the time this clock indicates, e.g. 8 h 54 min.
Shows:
2 h 54 min
